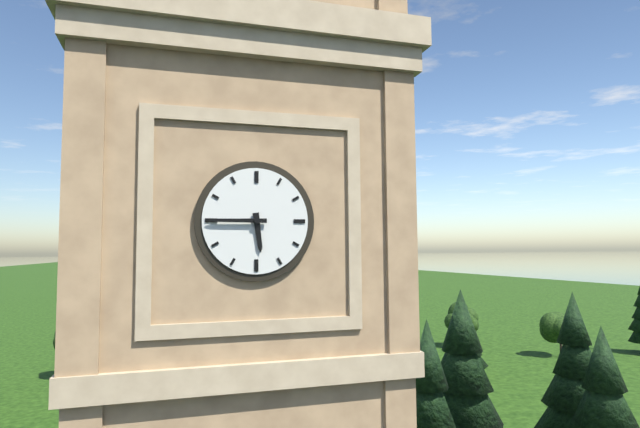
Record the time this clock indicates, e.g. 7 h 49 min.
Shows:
5 h 45 min
